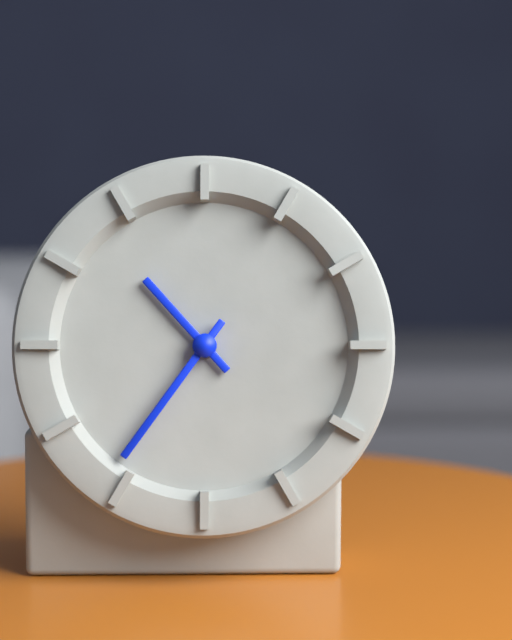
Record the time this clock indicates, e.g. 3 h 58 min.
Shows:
10 h 36 min
